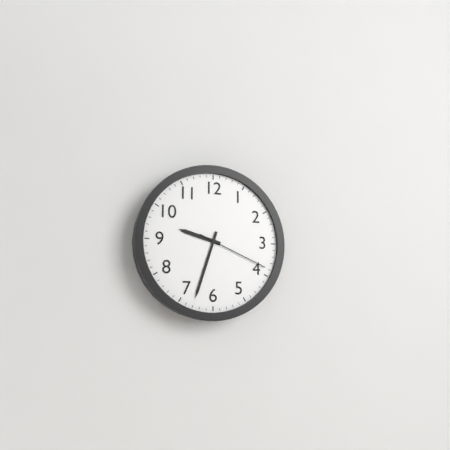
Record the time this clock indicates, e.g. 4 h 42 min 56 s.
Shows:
9 h 33 min 19 s
